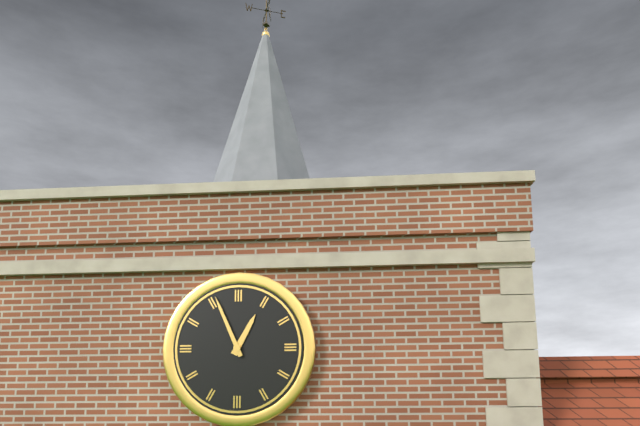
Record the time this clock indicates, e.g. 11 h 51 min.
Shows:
12 h 56 min
